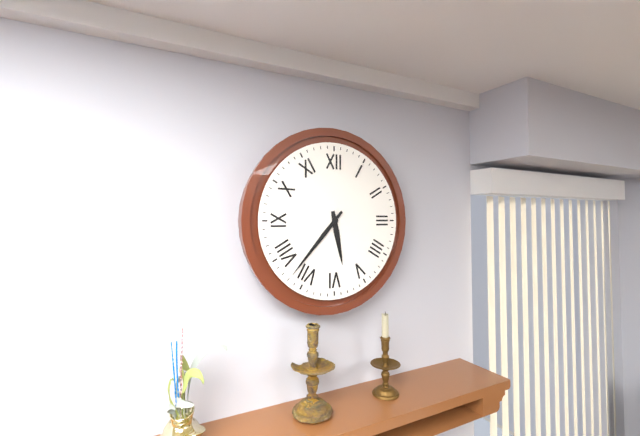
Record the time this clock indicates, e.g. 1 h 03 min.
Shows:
5 h 37 min
